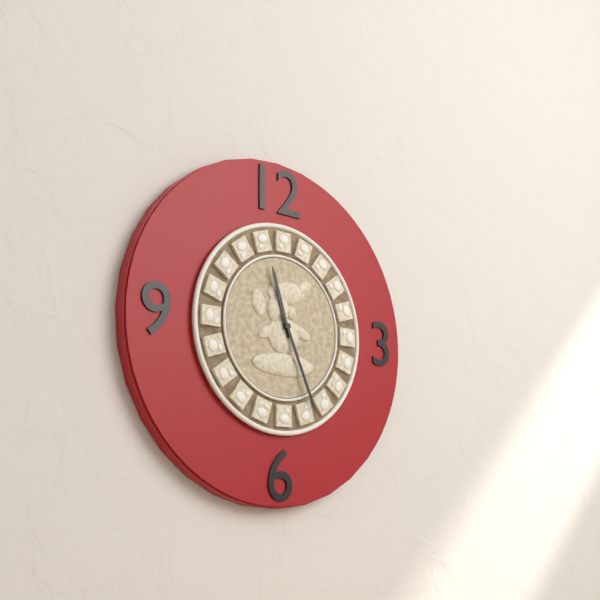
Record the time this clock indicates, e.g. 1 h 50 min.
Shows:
11 h 26 min
